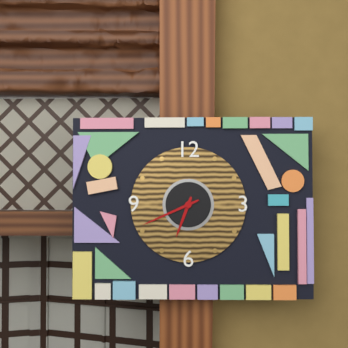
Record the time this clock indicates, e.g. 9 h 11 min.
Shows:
6 h 41 min
